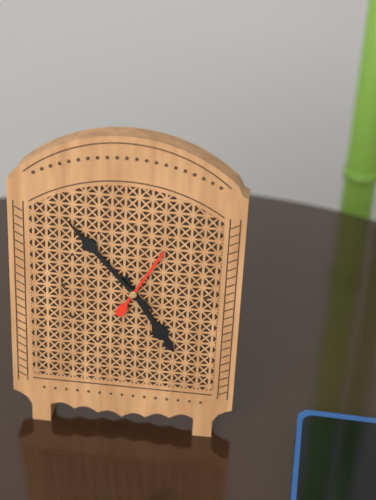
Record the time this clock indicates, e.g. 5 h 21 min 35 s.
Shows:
4 h 53 min 05 s
